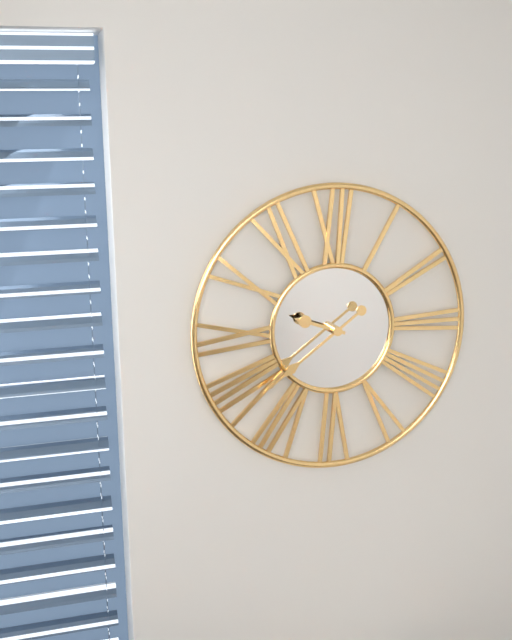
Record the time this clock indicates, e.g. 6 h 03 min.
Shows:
9 h 39 min
